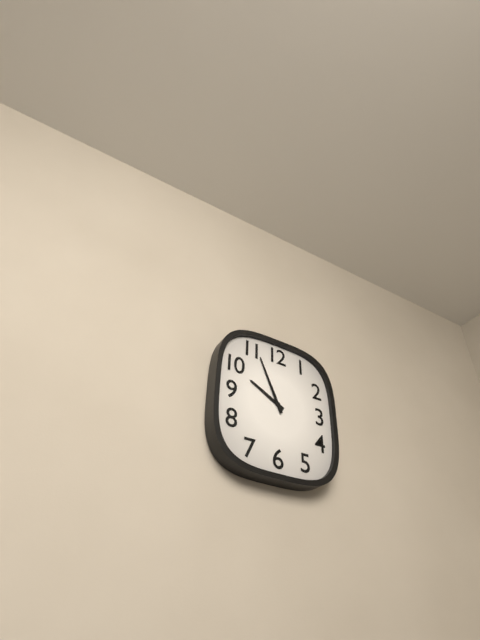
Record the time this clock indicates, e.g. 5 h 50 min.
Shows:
9 h 56 min
